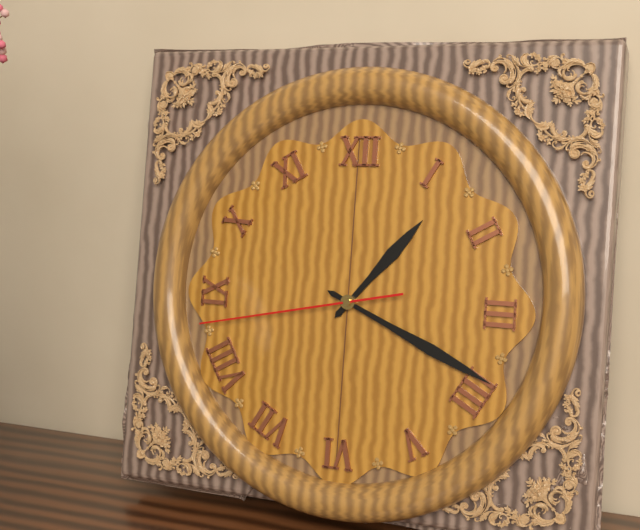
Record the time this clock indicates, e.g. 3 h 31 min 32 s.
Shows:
1 h 19 min 43 s
